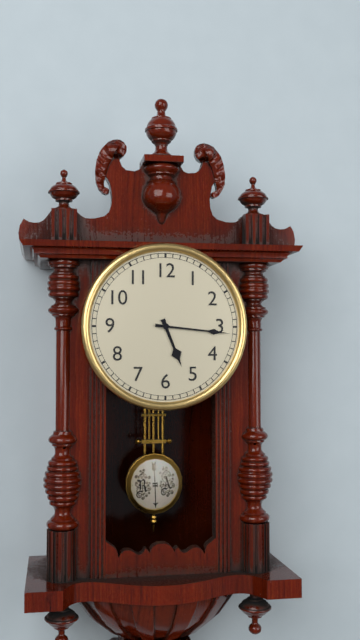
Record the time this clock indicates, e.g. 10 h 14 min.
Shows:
5 h 16 min
